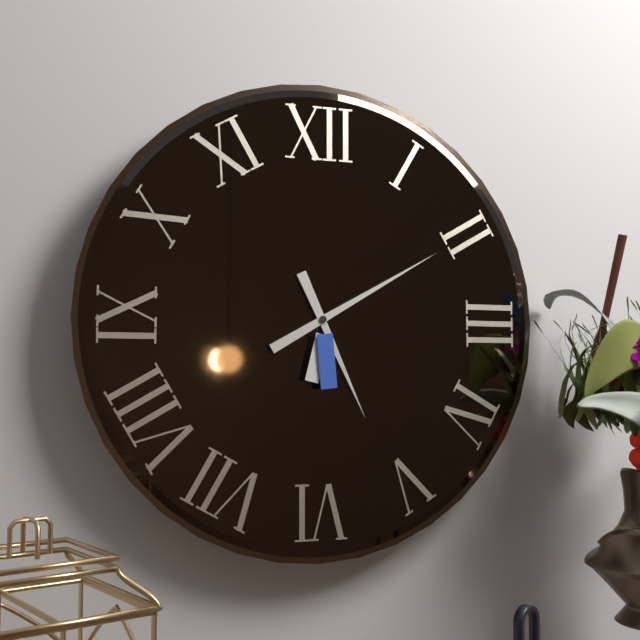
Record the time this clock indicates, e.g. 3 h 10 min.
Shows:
5 h 10 min
